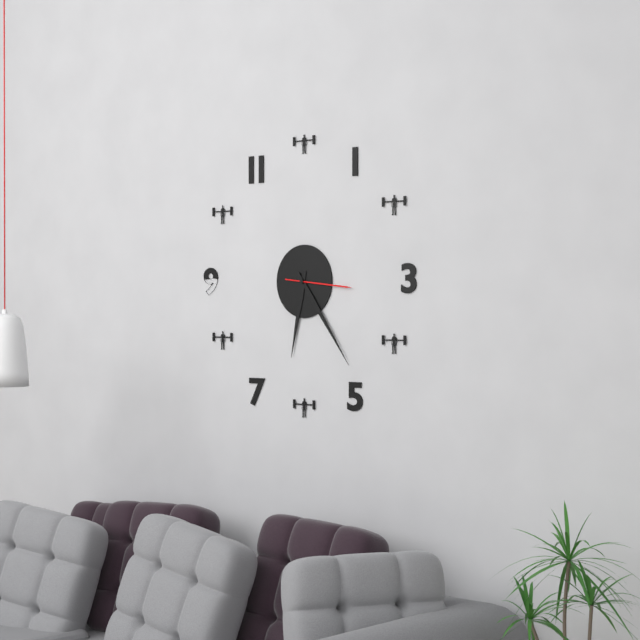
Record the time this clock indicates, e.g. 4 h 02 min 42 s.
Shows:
6 h 24 min 16 s
